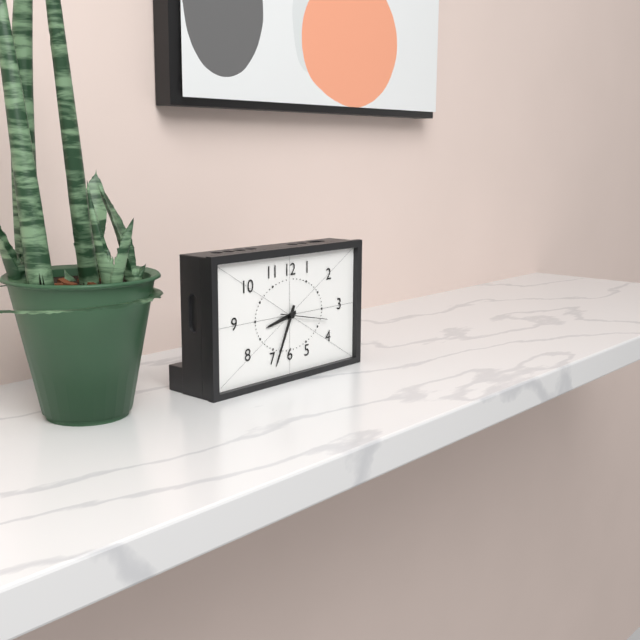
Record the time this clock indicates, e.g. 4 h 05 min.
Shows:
8 h 34 min
